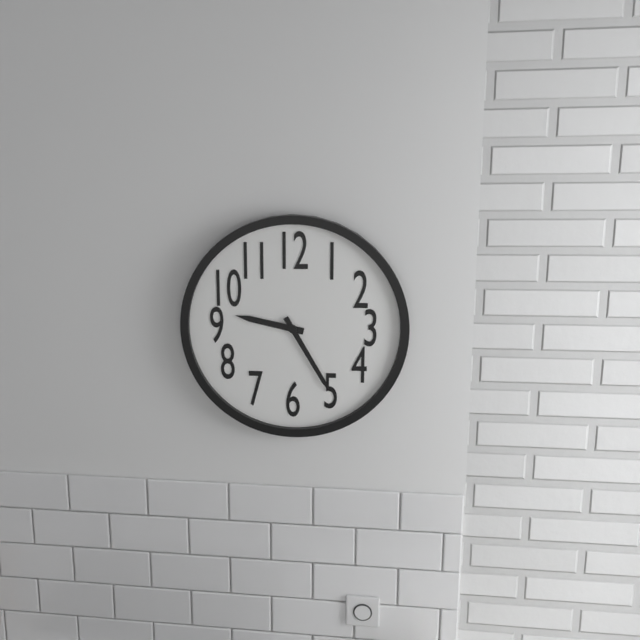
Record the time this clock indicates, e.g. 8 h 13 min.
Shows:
9 h 25 min
